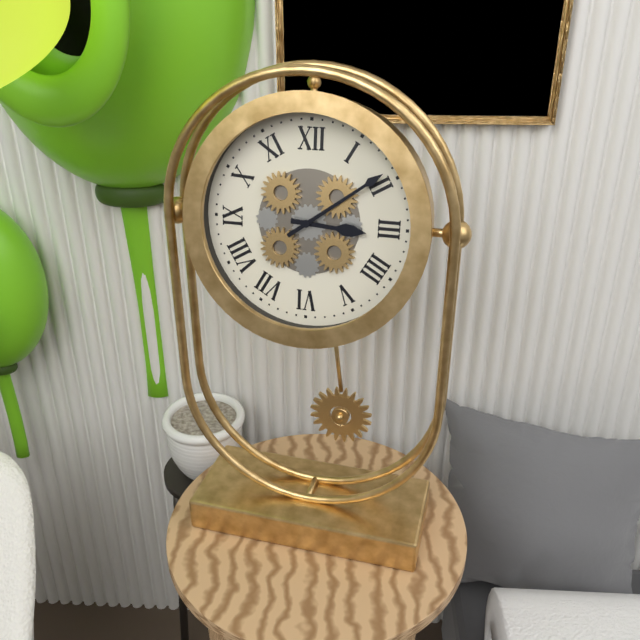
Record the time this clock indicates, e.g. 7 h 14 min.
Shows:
3 h 09 min
